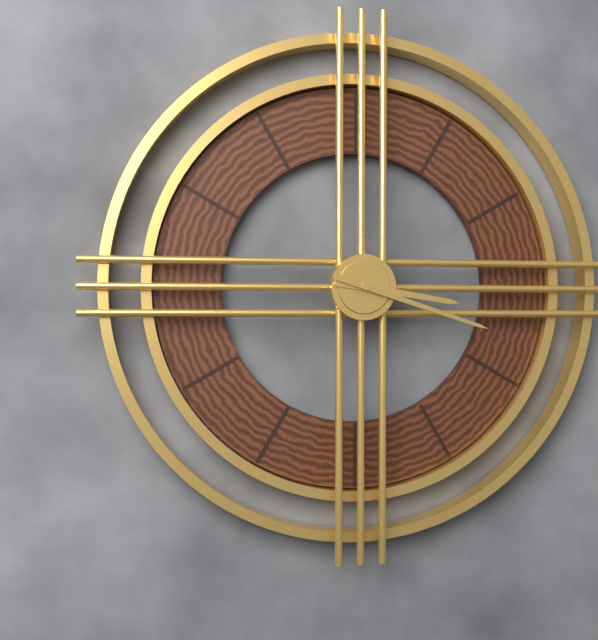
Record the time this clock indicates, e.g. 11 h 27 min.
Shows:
3 h 18 min
